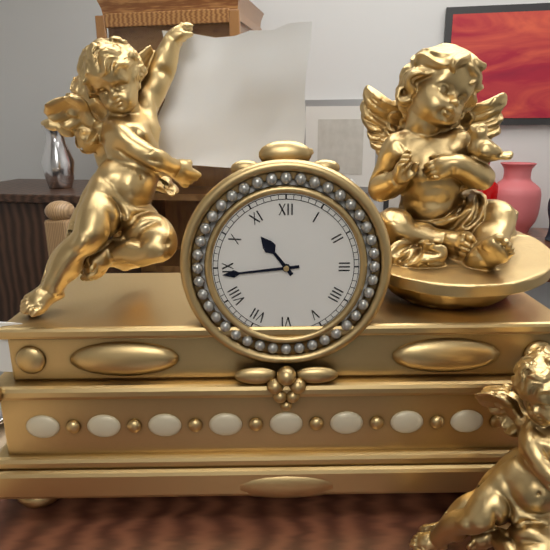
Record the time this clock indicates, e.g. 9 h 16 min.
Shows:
10 h 44 min
